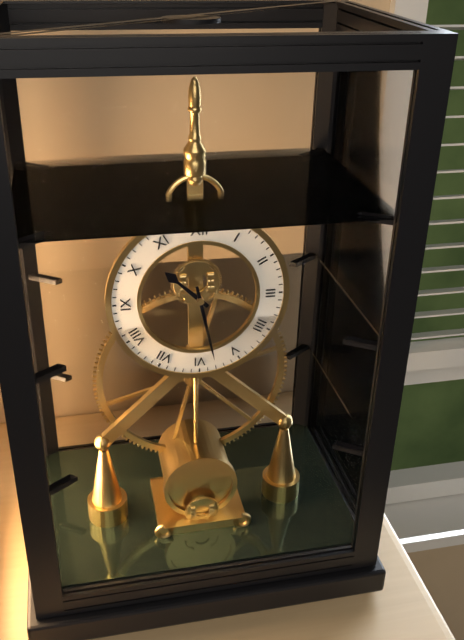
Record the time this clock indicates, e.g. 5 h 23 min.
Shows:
10 h 28 min
